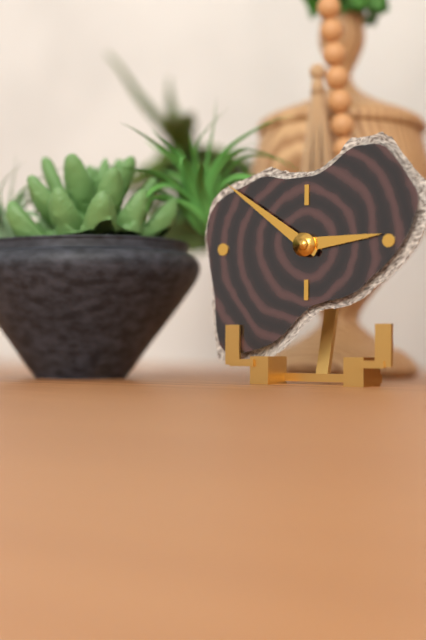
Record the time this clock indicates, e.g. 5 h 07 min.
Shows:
2 h 51 min
